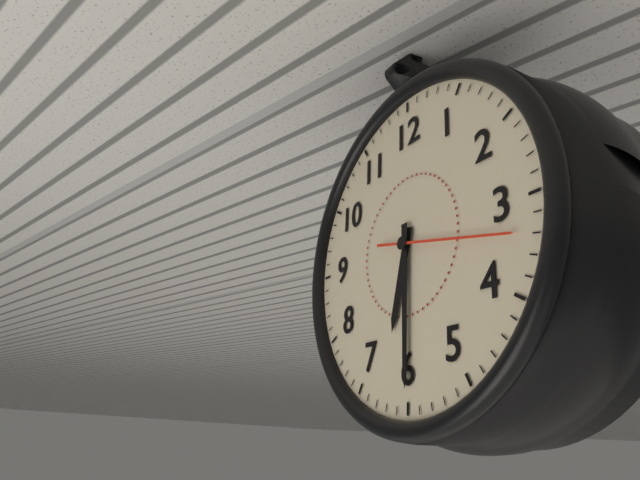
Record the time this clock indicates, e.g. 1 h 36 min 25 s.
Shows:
6 h 30 min 17 s
